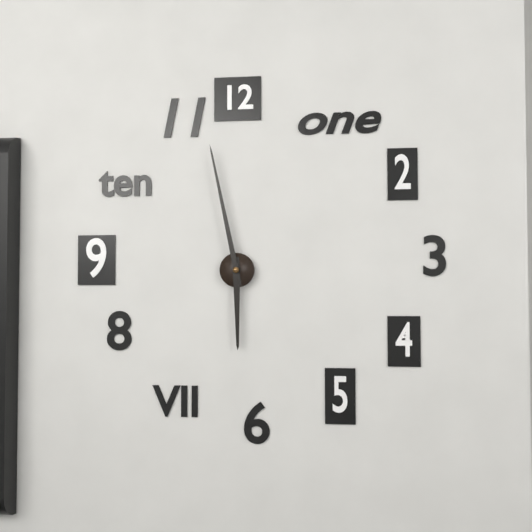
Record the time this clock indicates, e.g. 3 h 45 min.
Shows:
5 h 58 min
